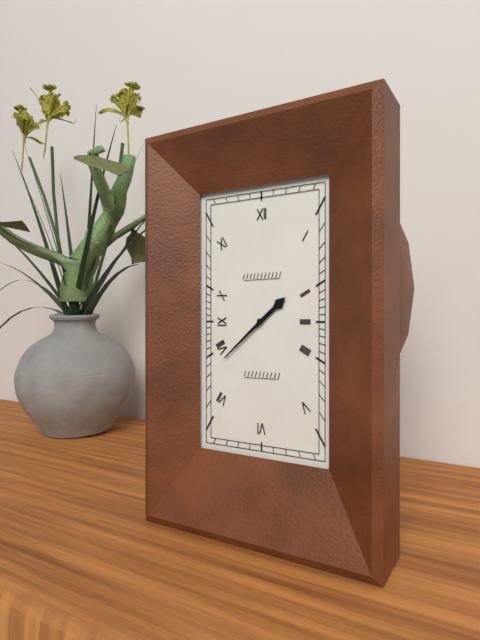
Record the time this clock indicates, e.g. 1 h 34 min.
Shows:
1 h 38 min
